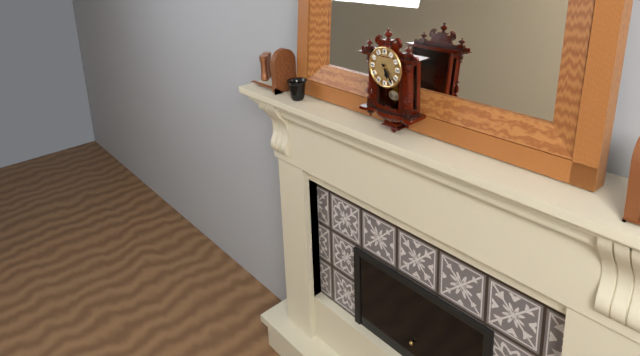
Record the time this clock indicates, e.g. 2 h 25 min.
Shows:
5 h 24 min
